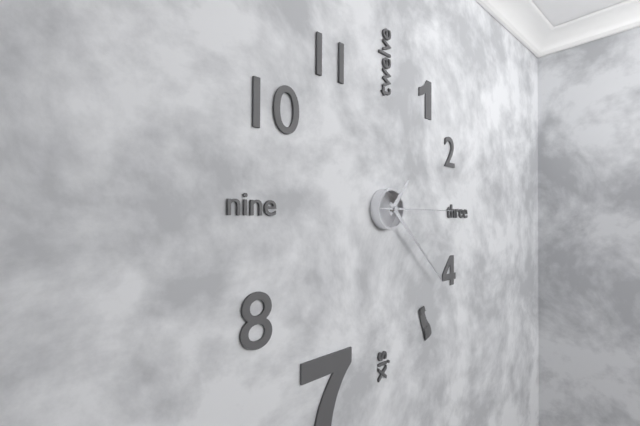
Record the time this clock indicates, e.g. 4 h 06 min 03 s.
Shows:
1 h 22 min 15 s
